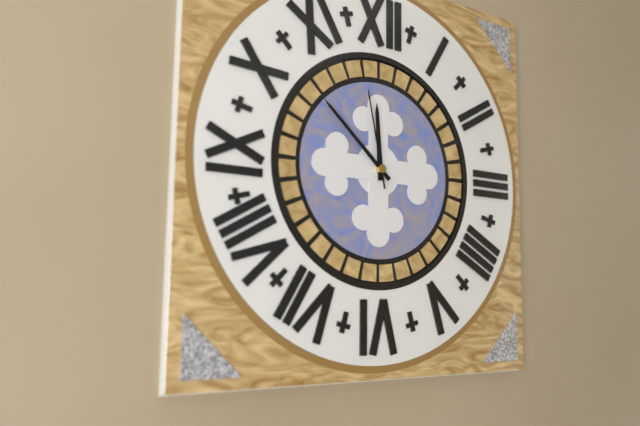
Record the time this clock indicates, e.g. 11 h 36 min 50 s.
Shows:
11 h 52 min 58 s
